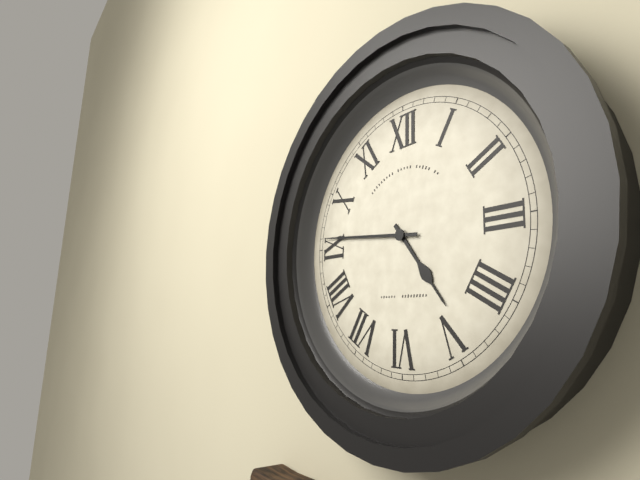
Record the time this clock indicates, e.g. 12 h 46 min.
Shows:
4 h 46 min
